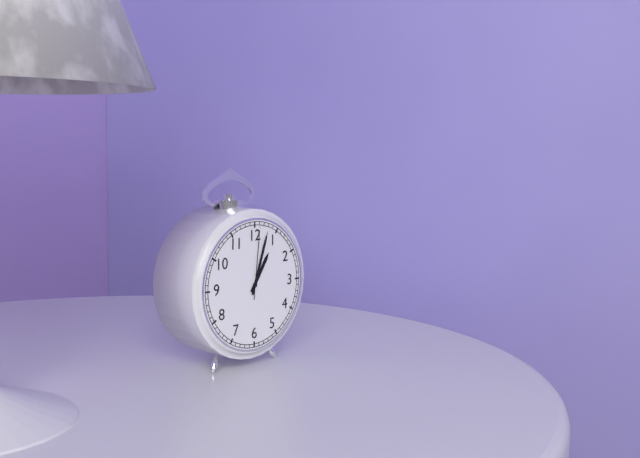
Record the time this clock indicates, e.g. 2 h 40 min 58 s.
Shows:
1 h 03 min 01 s
